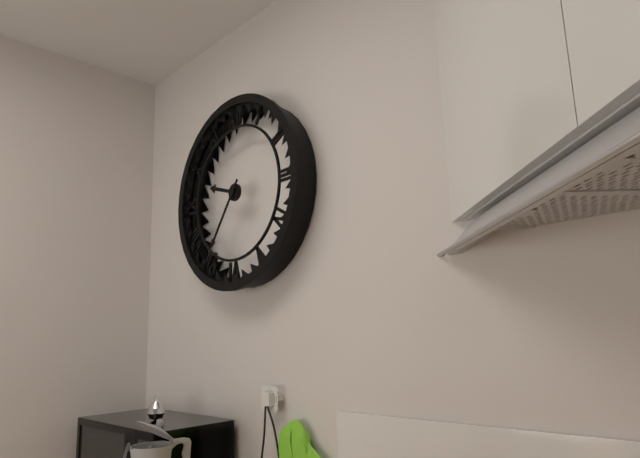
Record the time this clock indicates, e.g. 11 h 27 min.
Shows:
9 h 36 min
